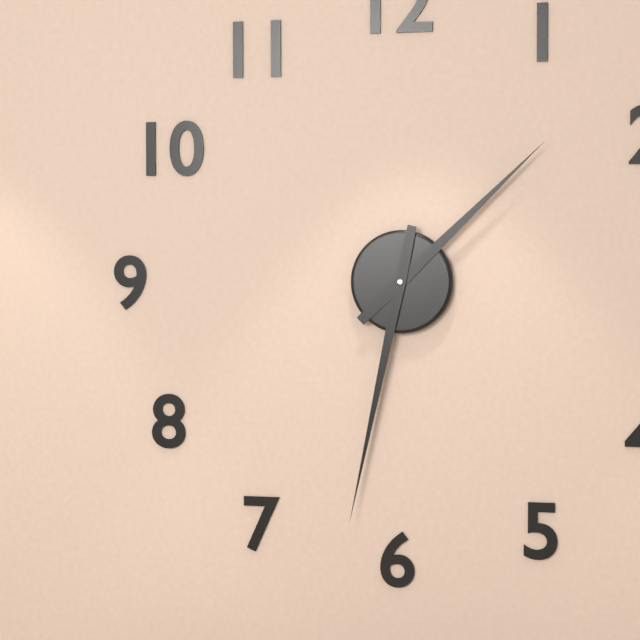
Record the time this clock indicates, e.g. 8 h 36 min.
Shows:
1 h 32 min
